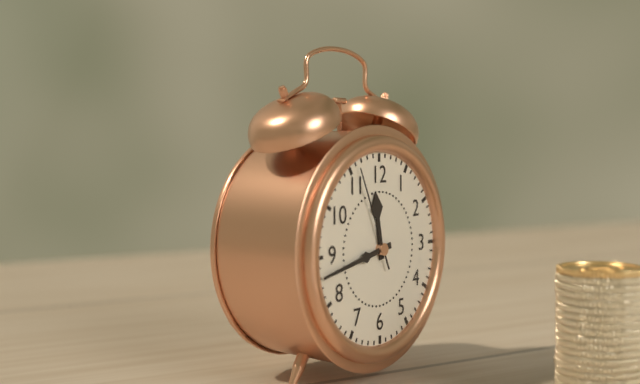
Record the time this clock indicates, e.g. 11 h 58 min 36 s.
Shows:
11 h 43 min 56 s
